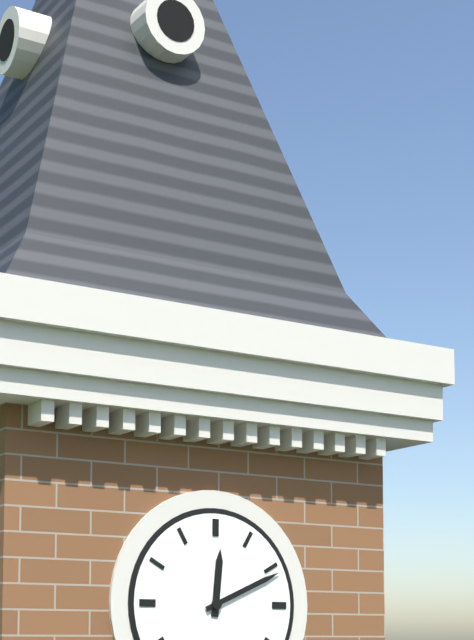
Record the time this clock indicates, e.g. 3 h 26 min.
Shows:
12 h 11 min
